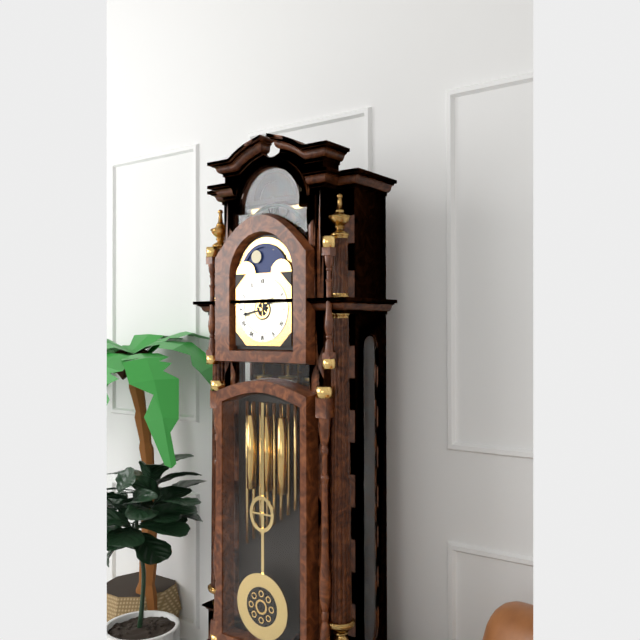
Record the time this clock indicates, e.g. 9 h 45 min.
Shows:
1 h 43 min
